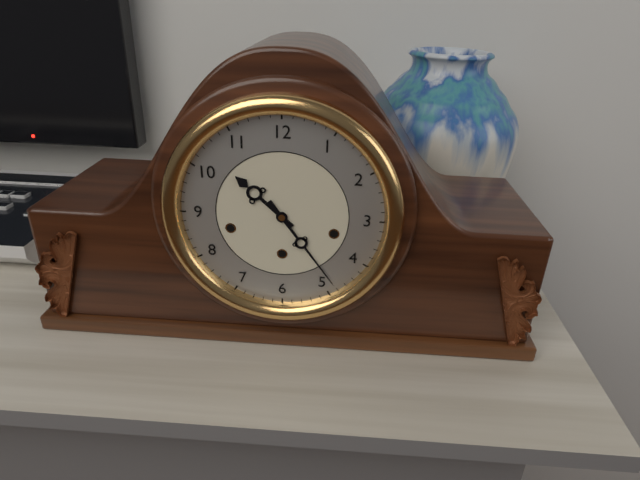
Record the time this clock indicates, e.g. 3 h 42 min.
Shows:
10 h 24 min
